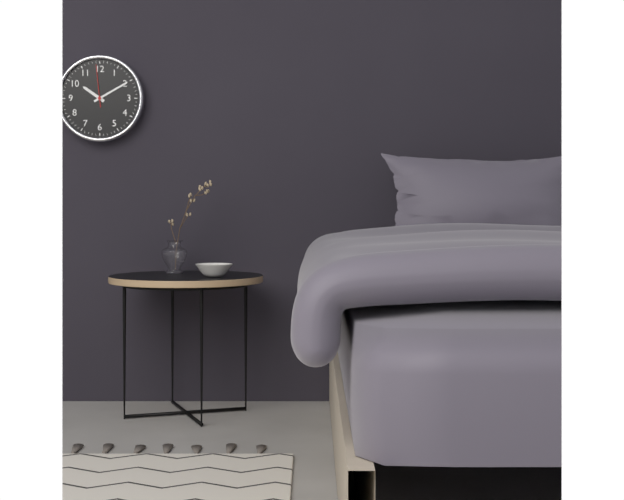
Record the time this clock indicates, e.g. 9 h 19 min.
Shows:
10 h 10 min
